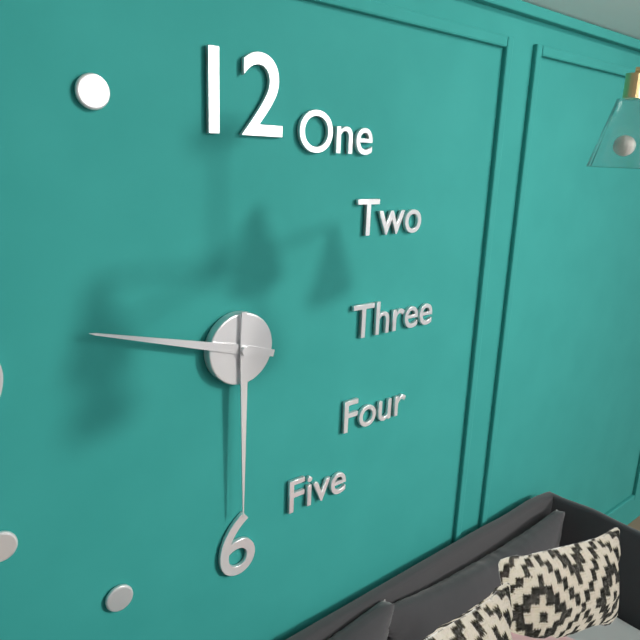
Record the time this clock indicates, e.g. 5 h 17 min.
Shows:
9 h 30 min
